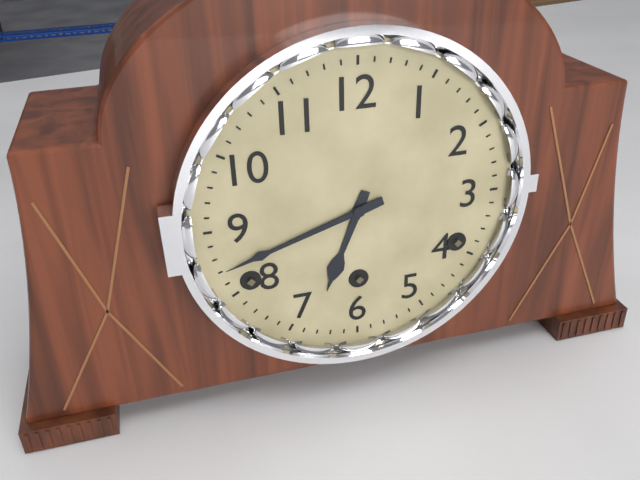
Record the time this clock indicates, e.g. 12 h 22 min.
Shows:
6 h 42 min
